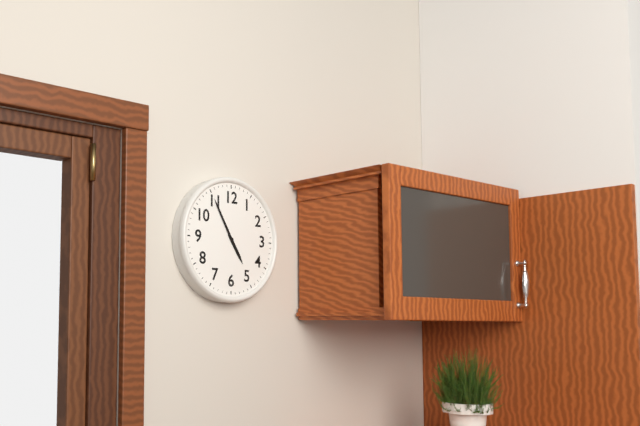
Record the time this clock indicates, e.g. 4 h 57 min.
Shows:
4 h 55 min
